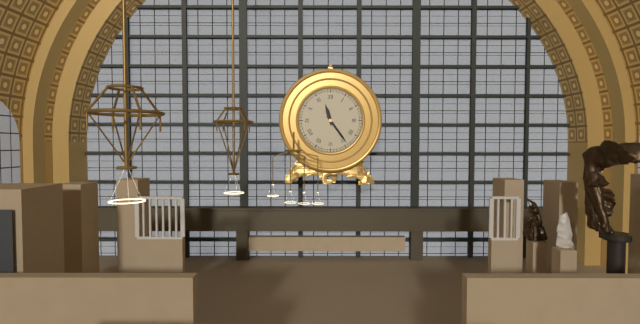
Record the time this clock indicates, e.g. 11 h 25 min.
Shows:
11 h 24 min
